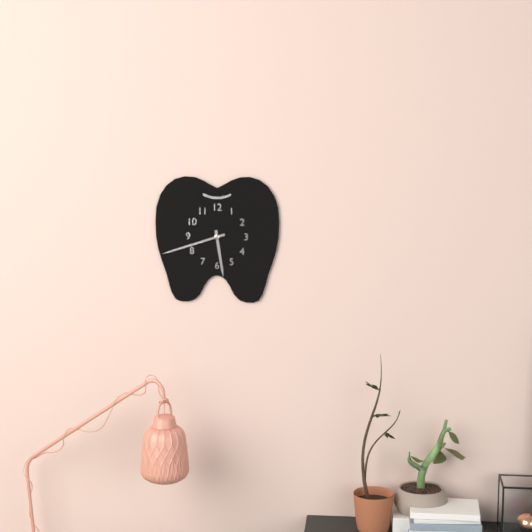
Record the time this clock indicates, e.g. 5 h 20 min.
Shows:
5 h 42 min
